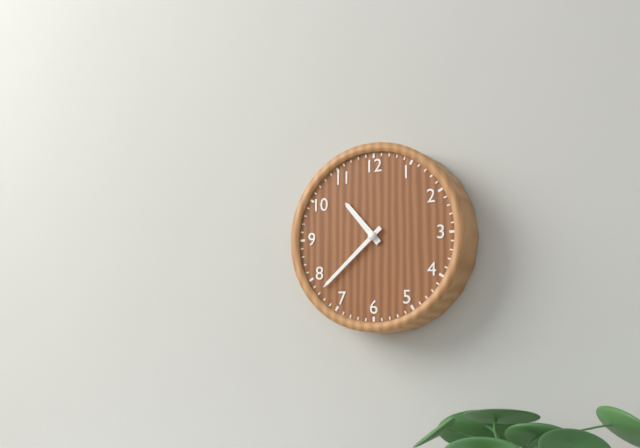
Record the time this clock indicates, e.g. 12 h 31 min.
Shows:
10 h 38 min
